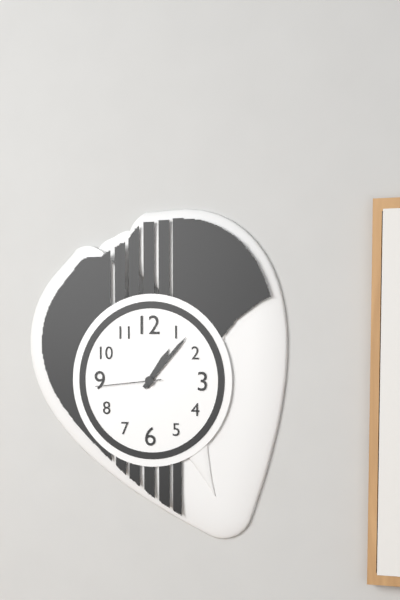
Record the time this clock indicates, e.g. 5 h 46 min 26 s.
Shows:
1 h 07 min 44 s
